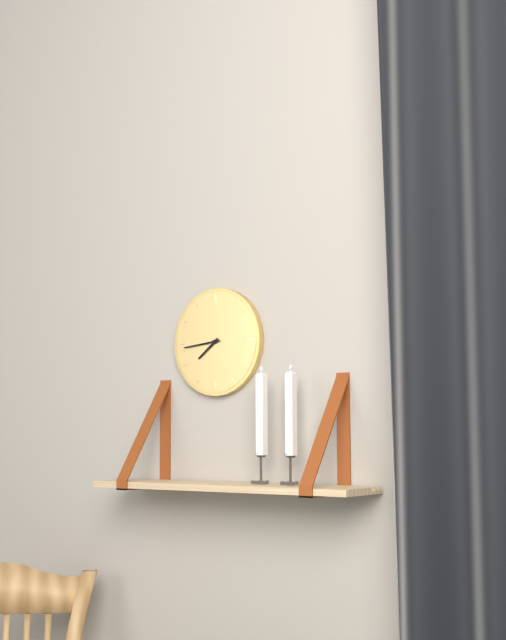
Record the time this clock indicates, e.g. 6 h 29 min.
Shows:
7 h 44 min
